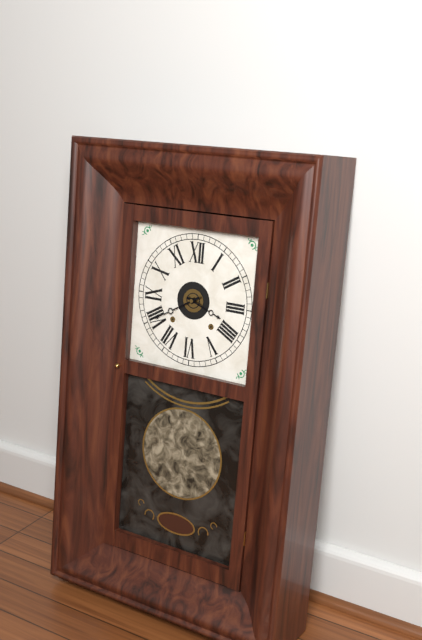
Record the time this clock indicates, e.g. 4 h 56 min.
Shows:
3 h 40 min
